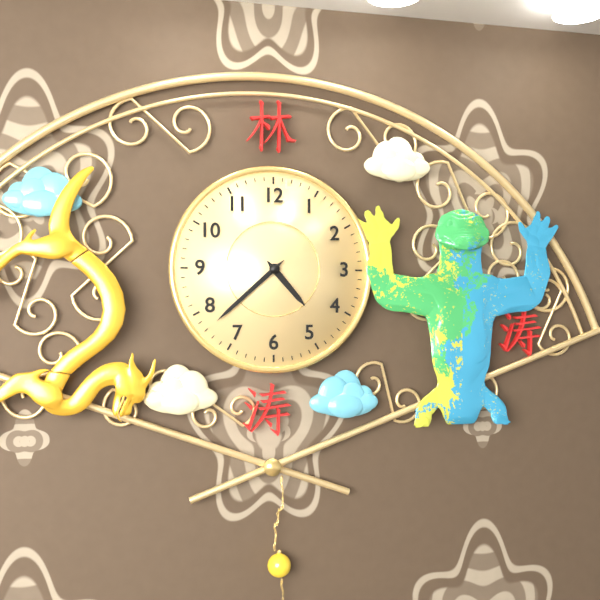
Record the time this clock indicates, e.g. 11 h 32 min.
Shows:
4 h 38 min
